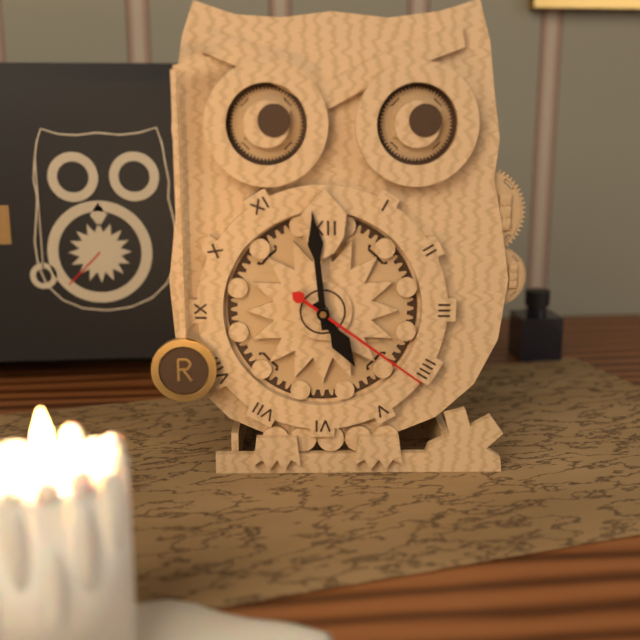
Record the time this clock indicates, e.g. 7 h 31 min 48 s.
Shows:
4 h 59 min 21 s
